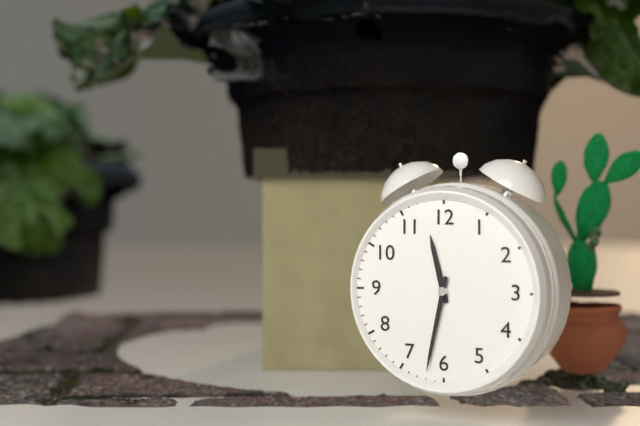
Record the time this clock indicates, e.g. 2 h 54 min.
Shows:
11 h 32 min
